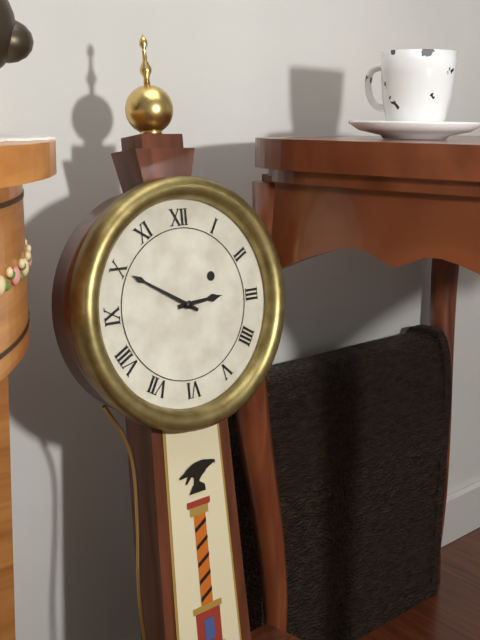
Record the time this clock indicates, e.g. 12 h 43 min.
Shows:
2 h 50 min
